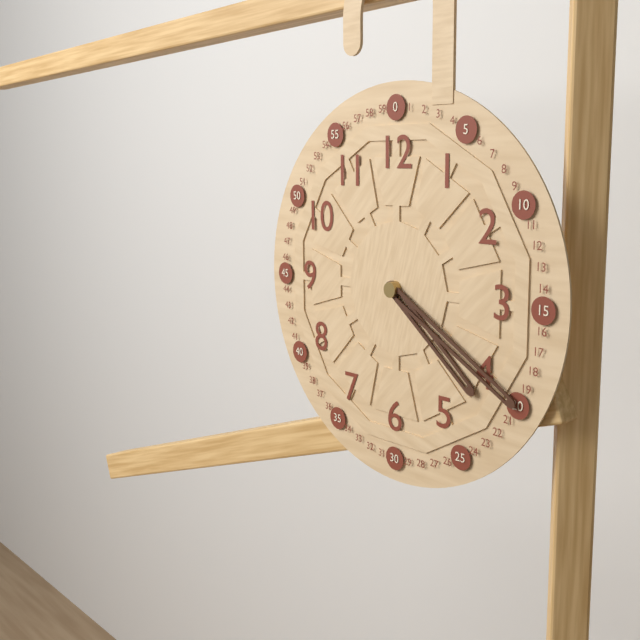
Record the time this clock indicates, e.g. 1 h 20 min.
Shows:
4 h 20 min
